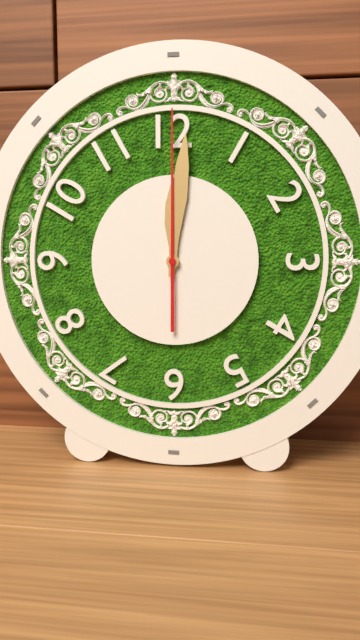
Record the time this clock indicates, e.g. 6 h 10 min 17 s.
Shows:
12 h 01 min 00 s
